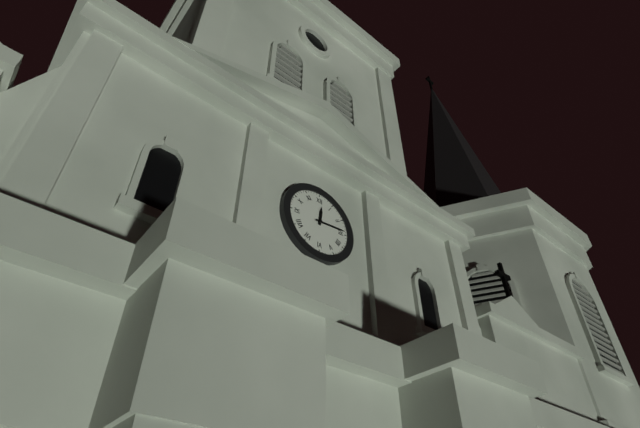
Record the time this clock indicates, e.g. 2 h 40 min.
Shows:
12 h 14 min
